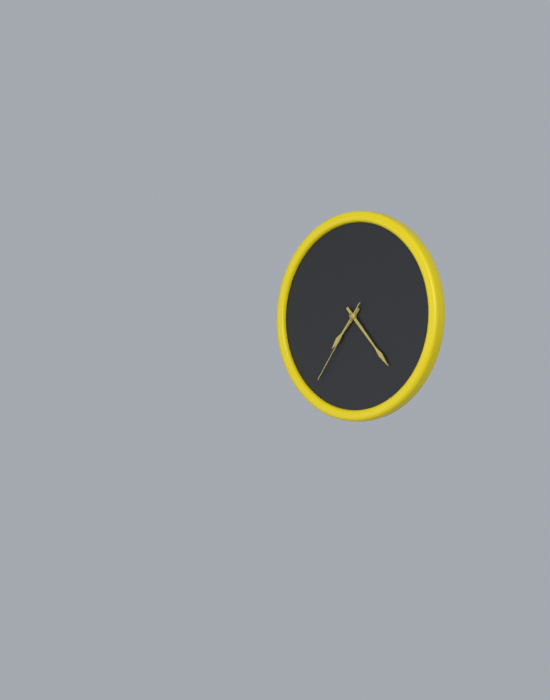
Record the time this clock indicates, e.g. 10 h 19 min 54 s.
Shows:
7 h 23 min 36 s
